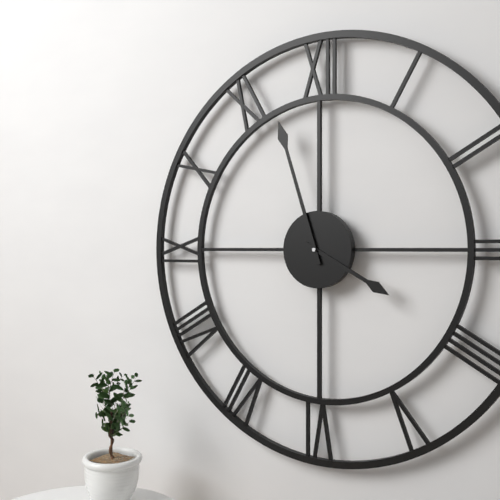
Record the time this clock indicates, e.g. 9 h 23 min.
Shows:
3 h 57 min
